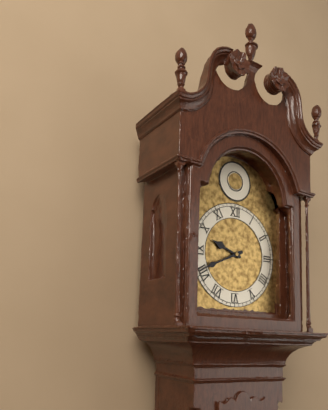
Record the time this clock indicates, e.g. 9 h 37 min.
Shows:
9 h 41 min
